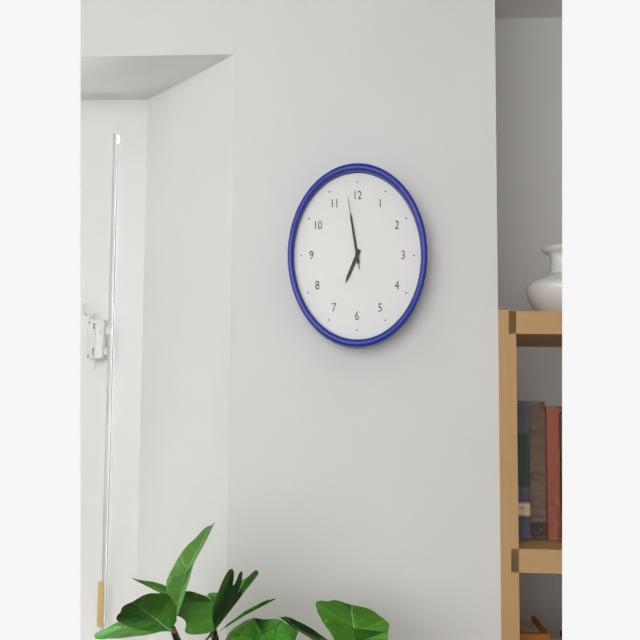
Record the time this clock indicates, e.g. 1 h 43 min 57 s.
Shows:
6 h 58 min 58 s
